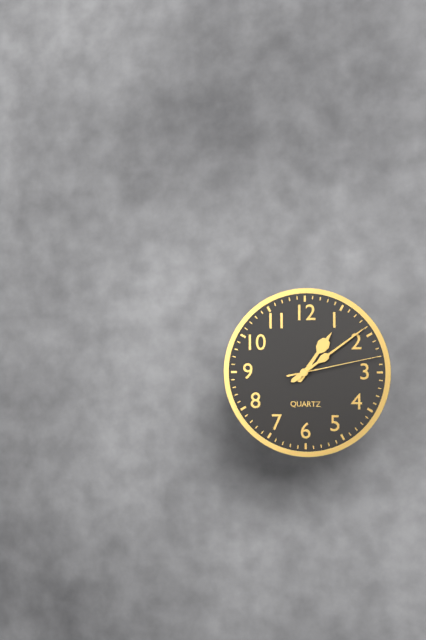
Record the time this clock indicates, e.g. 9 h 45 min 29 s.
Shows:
1 h 09 min 13 s
